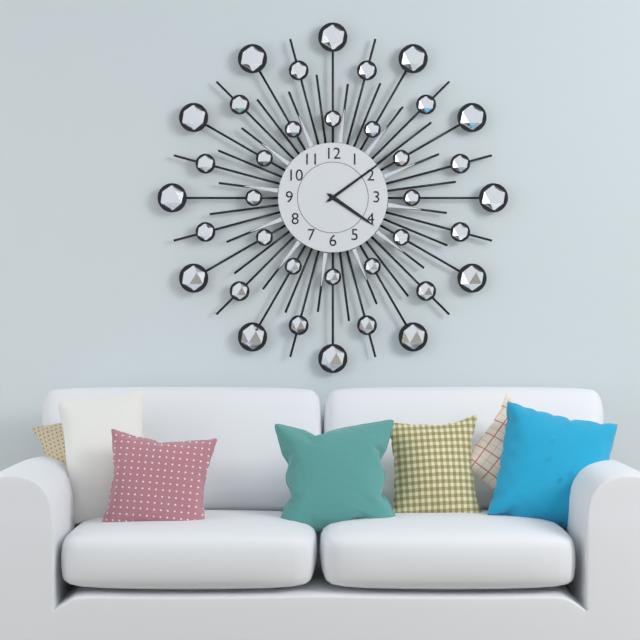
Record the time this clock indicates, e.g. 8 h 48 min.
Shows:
4 h 09 min
